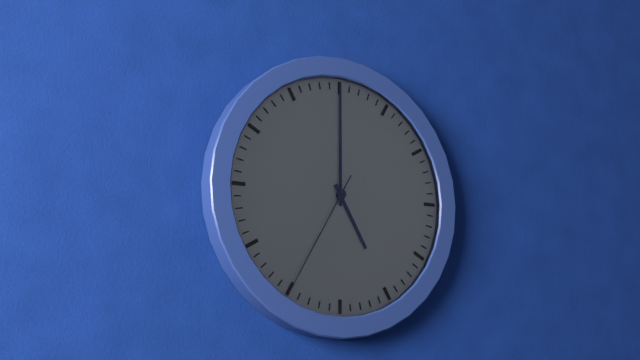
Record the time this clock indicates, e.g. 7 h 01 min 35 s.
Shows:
5 h 00 min 35 s
